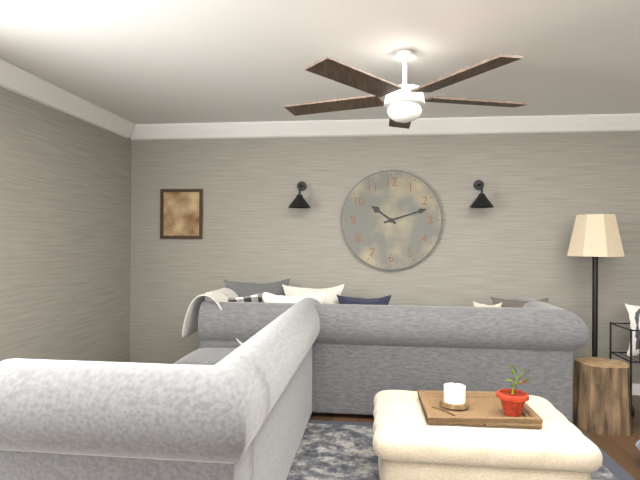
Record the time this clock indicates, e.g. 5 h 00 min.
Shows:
10 h 12 min
